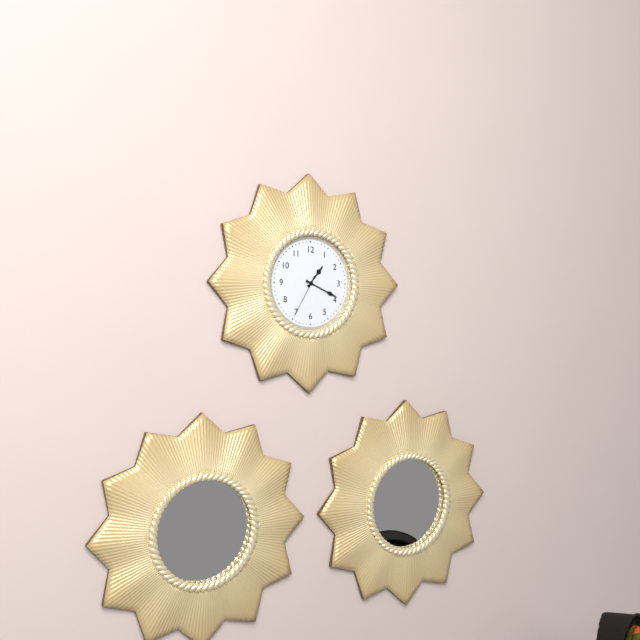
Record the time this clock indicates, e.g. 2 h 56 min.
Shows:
1 h 19 min
